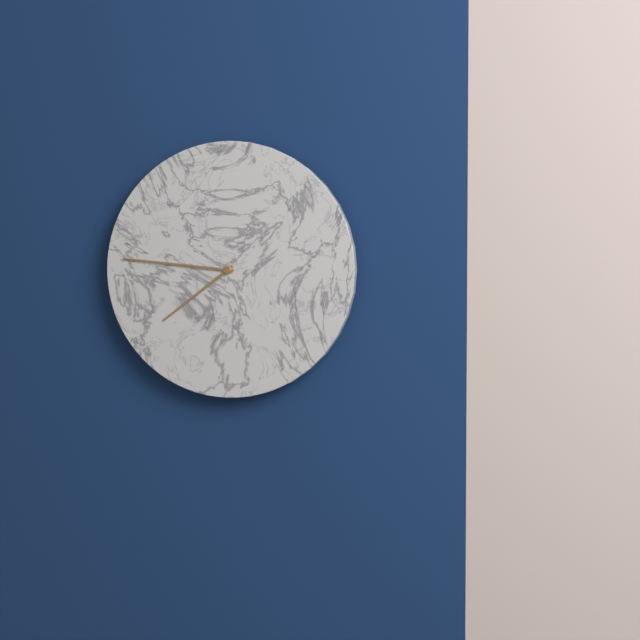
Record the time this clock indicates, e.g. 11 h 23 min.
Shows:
7 h 46 min
